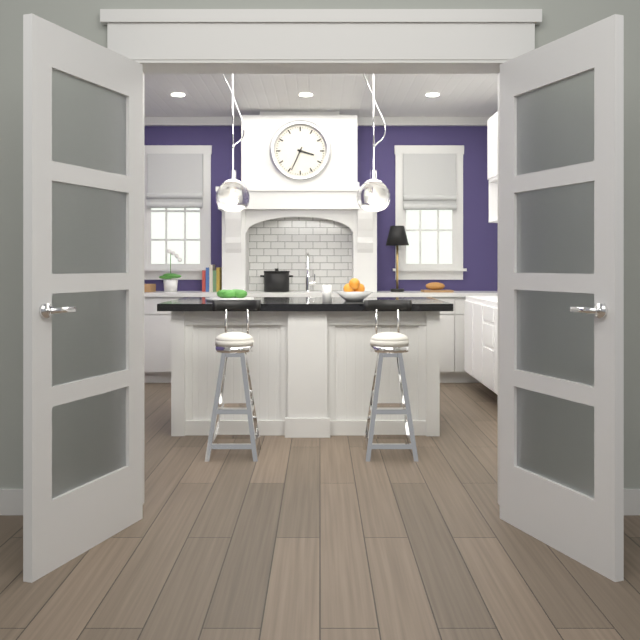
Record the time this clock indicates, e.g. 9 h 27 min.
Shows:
3 h 34 min
